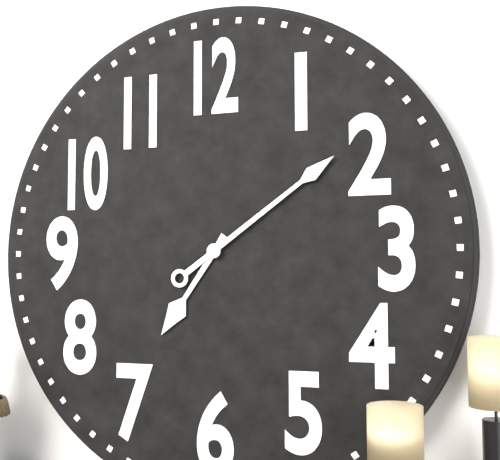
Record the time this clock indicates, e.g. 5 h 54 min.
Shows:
7 h 09 min
